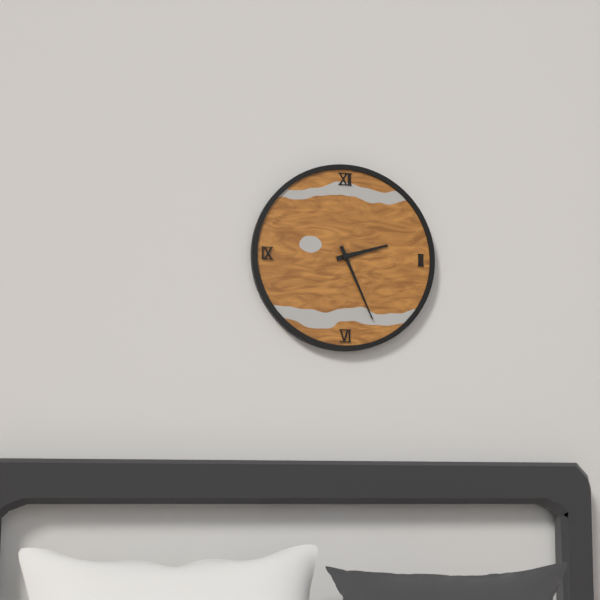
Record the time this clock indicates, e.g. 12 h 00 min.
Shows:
2 h 26 min
